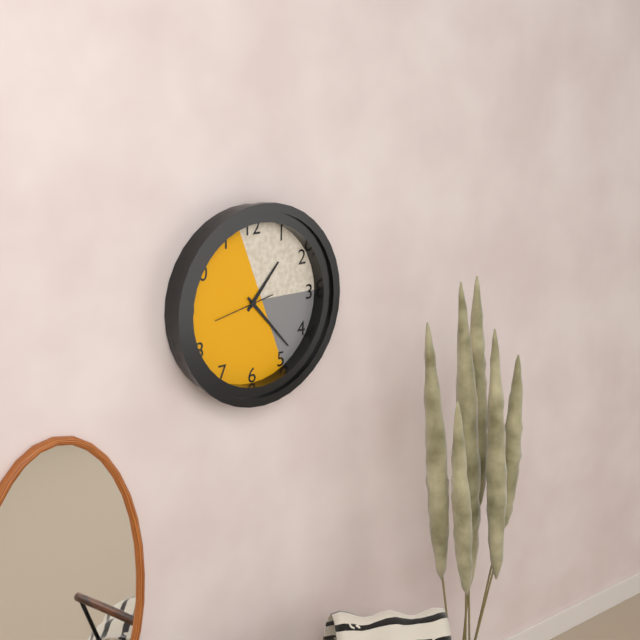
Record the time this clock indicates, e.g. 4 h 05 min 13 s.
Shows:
1 h 23 min 43 s
